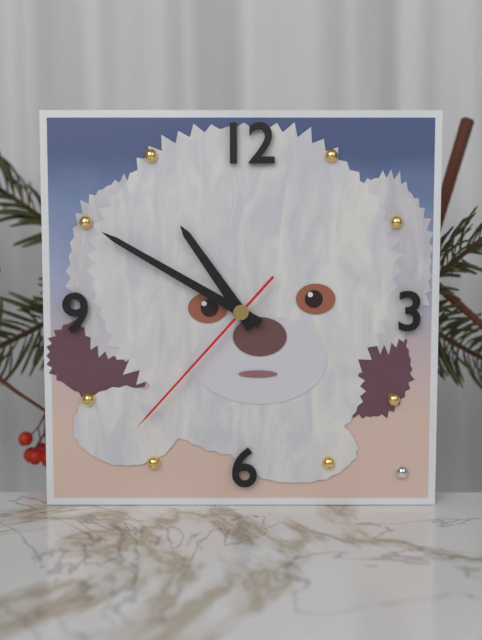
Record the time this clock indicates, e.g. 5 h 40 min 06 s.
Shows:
10 h 50 min 37 s
